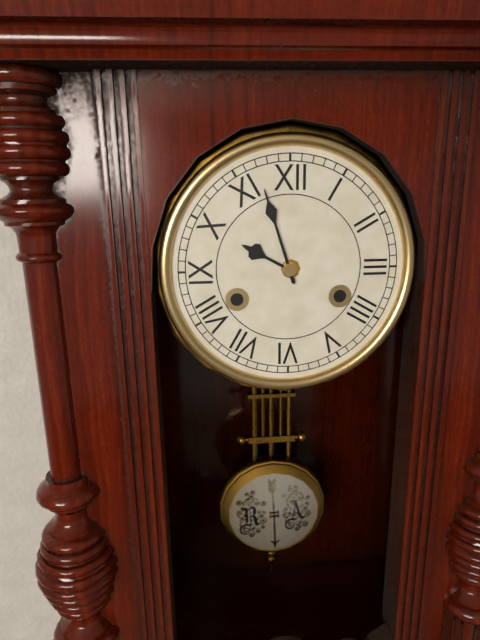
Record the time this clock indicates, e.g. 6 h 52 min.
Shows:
9 h 57 min
